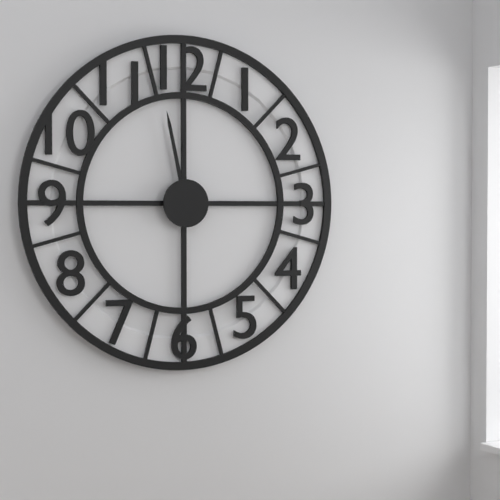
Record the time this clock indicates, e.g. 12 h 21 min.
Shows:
11 h 58 min
